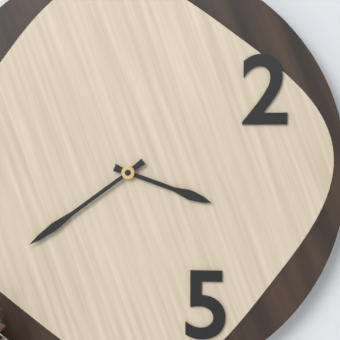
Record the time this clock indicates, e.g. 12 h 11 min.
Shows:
3 h 39 min
